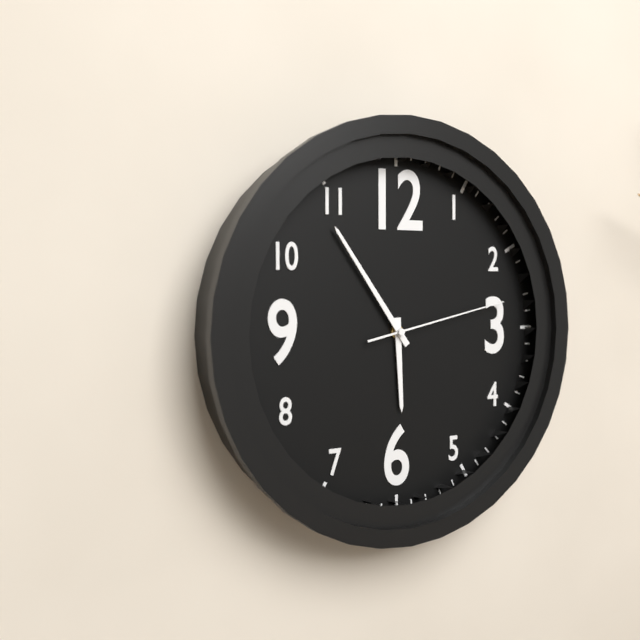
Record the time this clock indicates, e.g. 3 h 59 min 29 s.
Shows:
5 h 54 min 13 s
